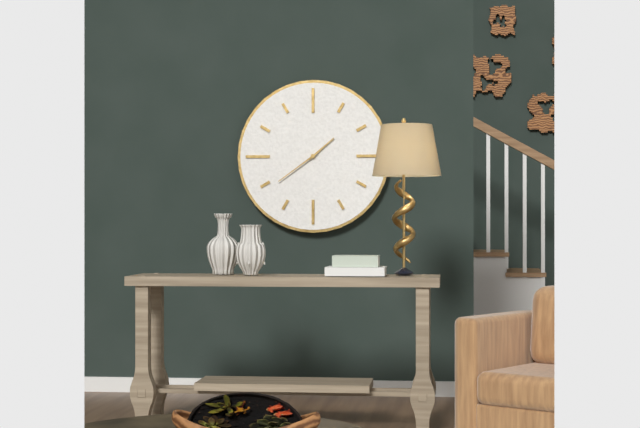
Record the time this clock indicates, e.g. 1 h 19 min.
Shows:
1 h 39 min
